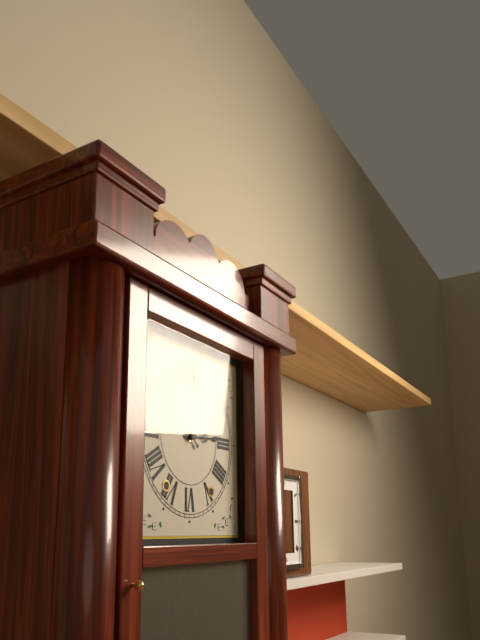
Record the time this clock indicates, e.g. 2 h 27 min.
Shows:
2 h 52 min
